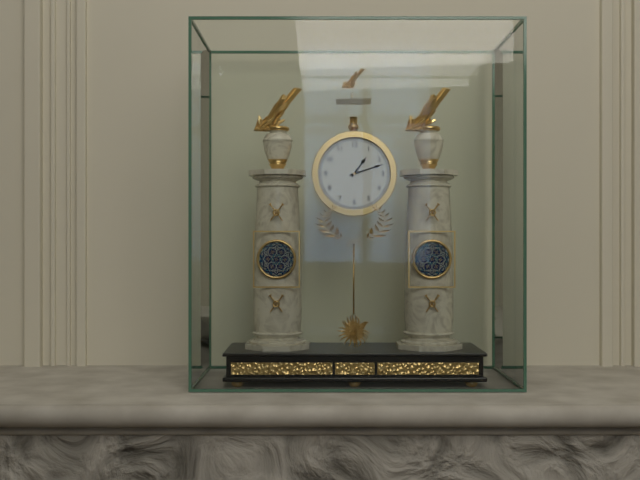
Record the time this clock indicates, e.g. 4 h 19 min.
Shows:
1 h 12 min
